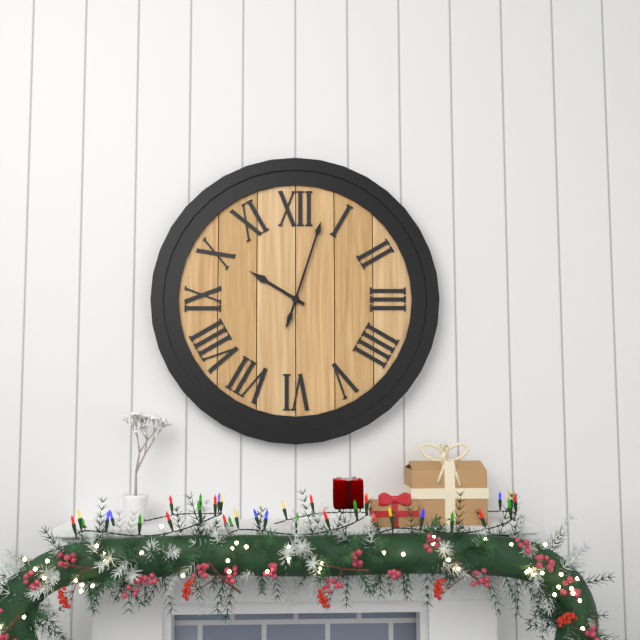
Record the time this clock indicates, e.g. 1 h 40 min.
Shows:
10 h 03 min
